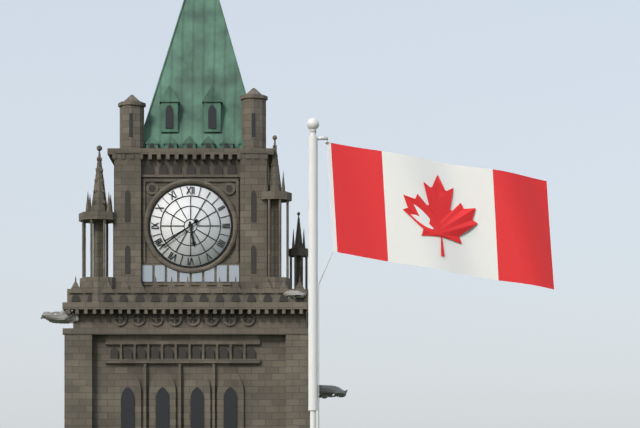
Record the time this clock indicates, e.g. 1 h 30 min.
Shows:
5 h 39 min
